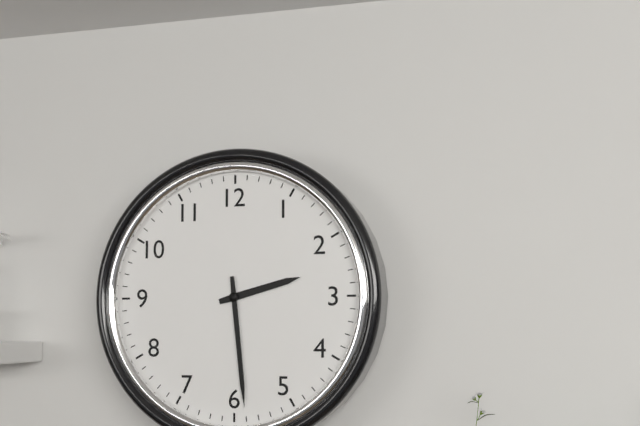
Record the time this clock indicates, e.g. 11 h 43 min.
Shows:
2 h 29 min
